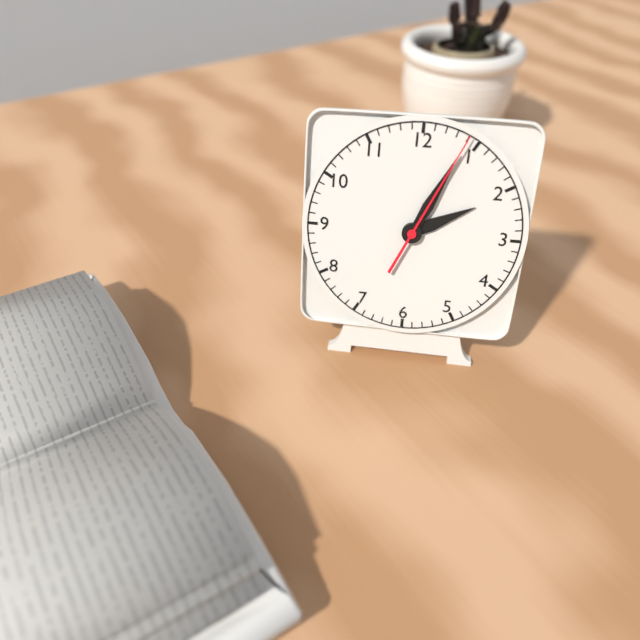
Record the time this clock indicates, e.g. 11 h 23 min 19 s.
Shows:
2 h 04 min 04 s
